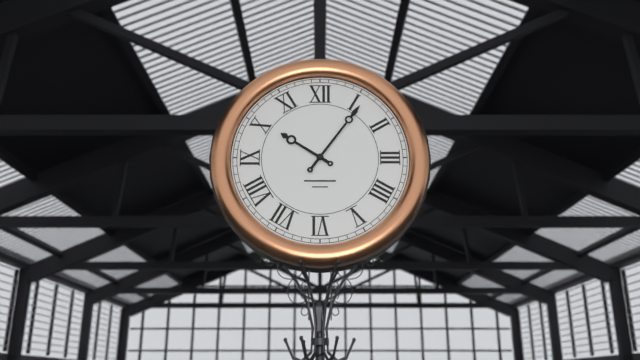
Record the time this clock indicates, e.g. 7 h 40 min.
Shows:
10 h 06 min
